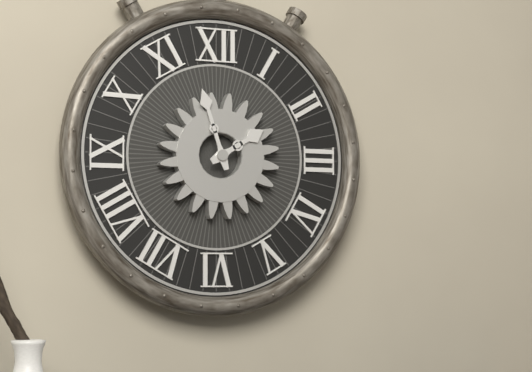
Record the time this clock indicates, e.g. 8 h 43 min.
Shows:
1 h 57 min
